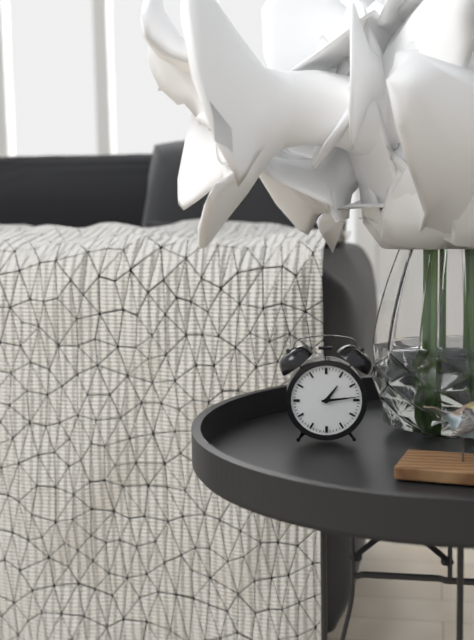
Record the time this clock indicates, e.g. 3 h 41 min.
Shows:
1 h 14 min
